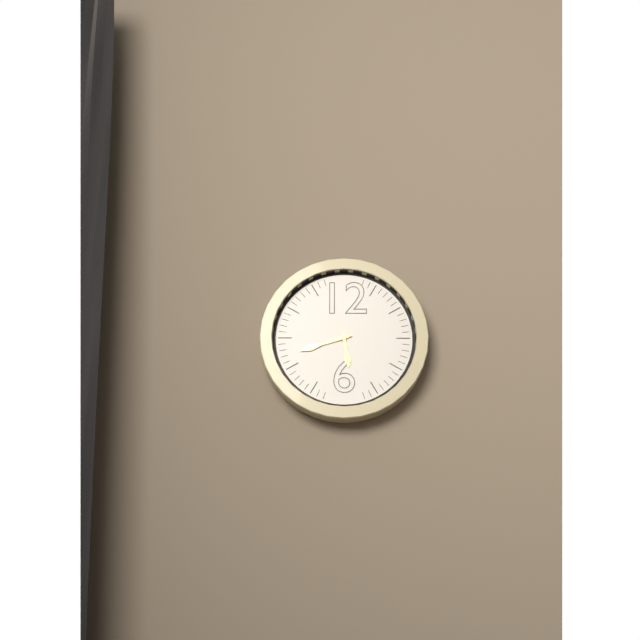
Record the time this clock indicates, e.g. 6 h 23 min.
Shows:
5 h 42 min
